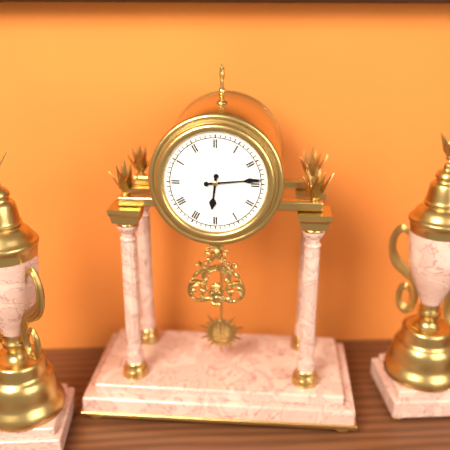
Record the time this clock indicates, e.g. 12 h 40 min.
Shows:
6 h 14 min
